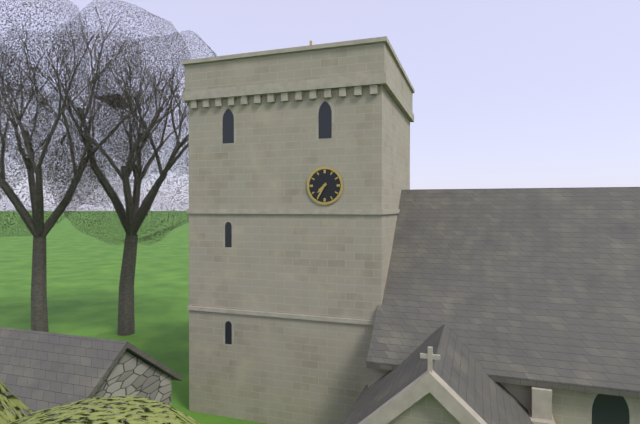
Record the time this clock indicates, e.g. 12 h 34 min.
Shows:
7 h 35 min
